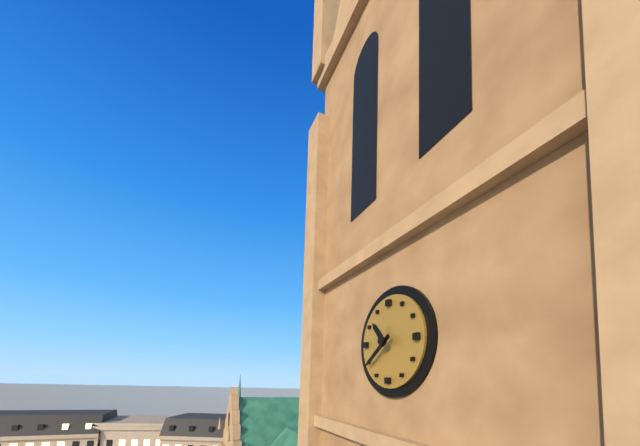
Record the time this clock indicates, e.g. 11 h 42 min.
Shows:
10 h 39 min
